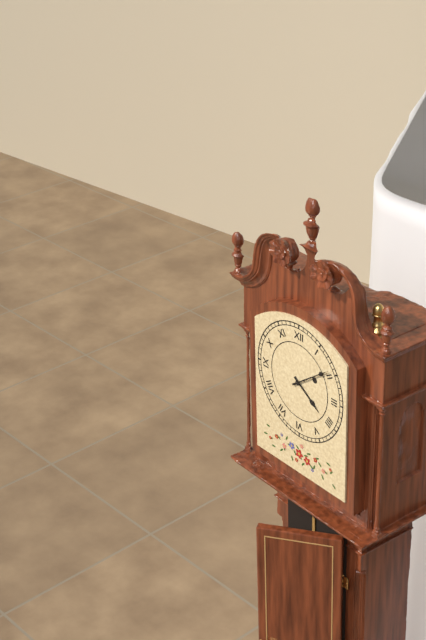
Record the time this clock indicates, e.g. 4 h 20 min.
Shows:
4 h 09 min
